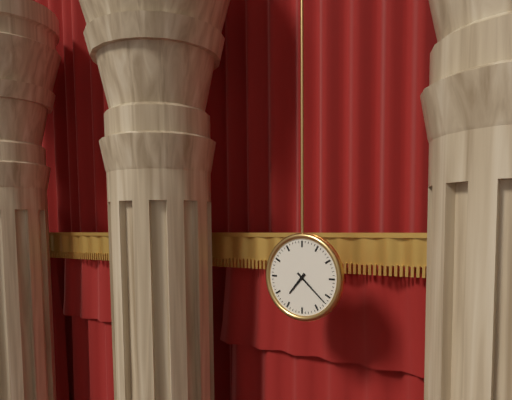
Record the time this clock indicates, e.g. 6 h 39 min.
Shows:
7 h 22 min
